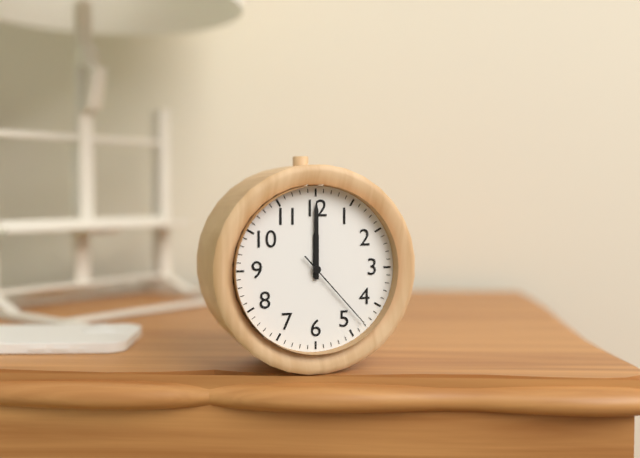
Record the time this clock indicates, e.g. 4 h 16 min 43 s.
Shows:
12 h 00 min 23 s
